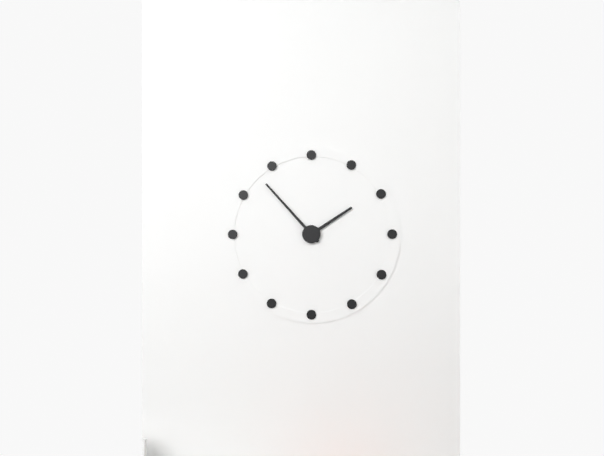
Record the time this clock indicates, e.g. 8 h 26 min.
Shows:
1 h 53 min
